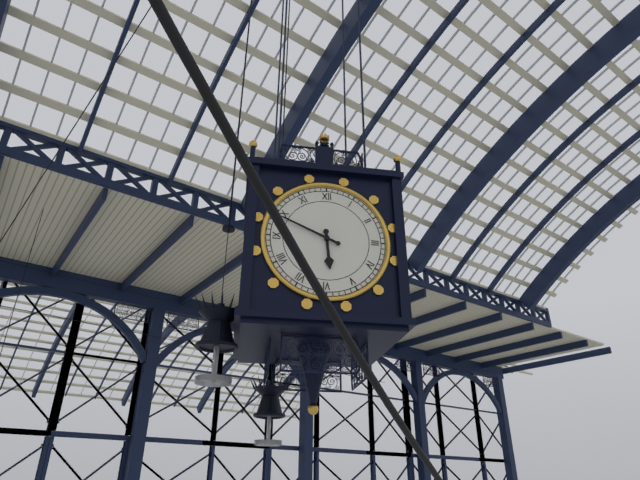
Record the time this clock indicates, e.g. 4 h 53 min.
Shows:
5 h 49 min
